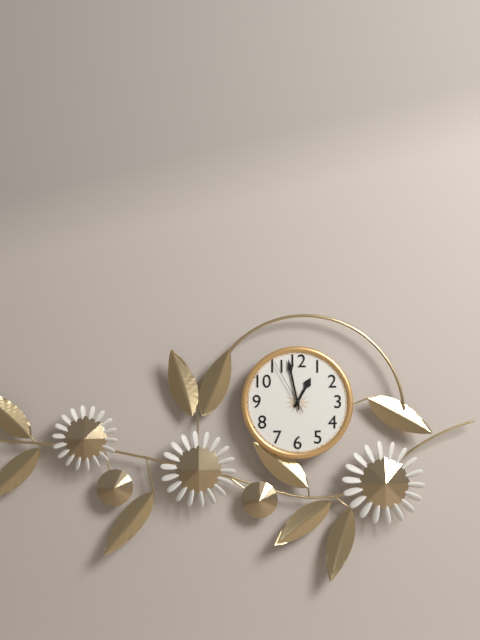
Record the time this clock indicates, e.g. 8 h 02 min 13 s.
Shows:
12 h 58 min 55 s
